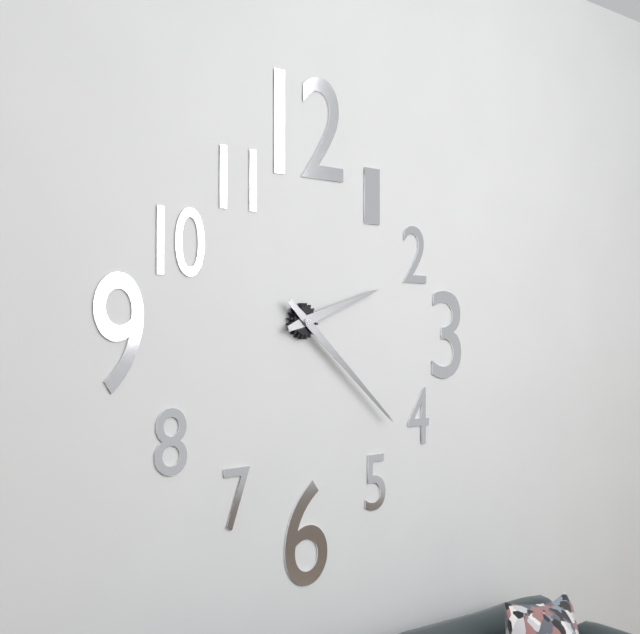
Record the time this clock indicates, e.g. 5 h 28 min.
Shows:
2 h 22 min
